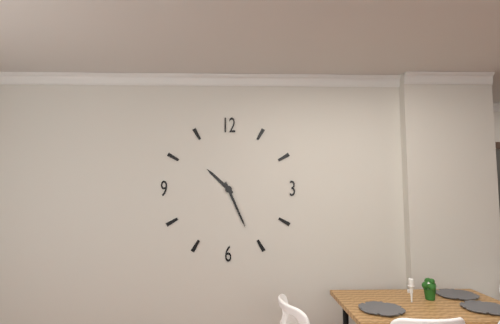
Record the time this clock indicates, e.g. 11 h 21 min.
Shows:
10 h 26 min
